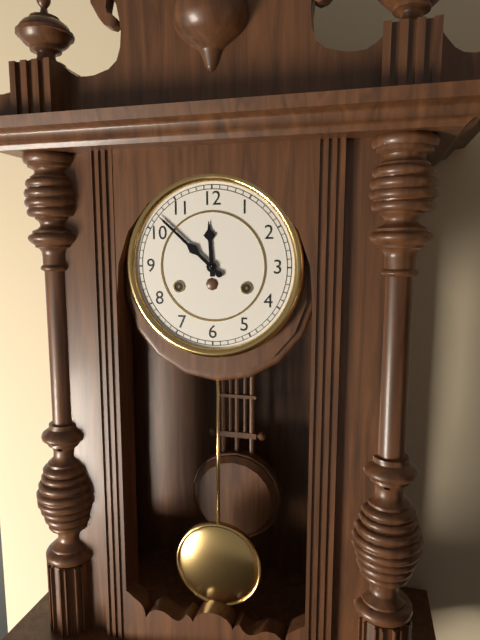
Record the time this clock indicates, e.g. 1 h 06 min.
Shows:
11 h 52 min
